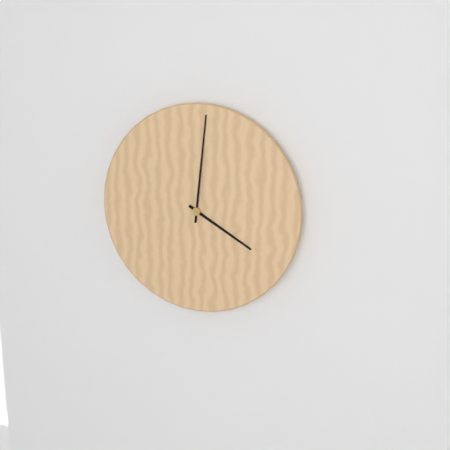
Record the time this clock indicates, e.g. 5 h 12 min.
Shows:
4 h 01 min
